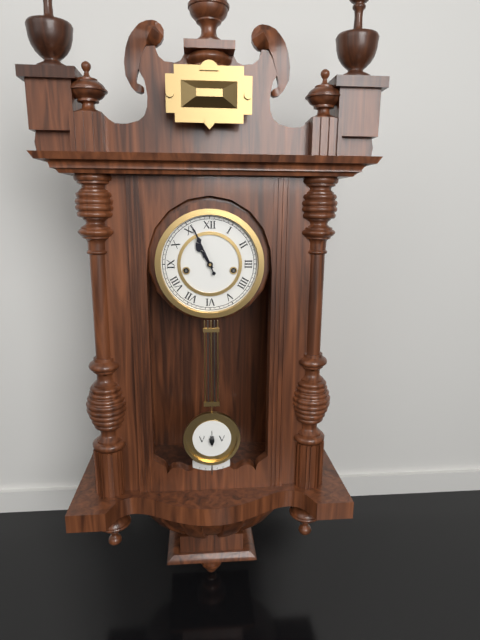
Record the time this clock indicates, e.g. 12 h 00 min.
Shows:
10 h 56 min
